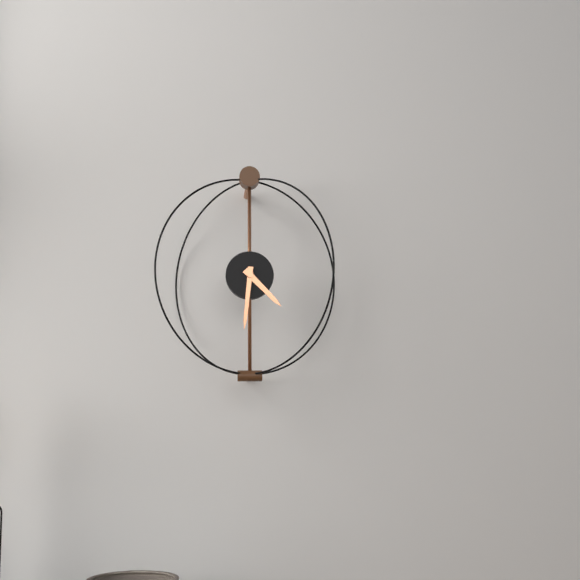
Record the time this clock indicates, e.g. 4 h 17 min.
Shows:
4 h 31 min
